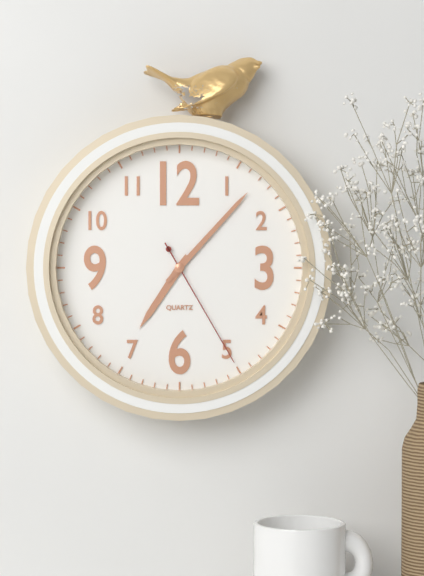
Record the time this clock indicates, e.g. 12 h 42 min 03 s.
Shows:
7 h 07 min 25 s
